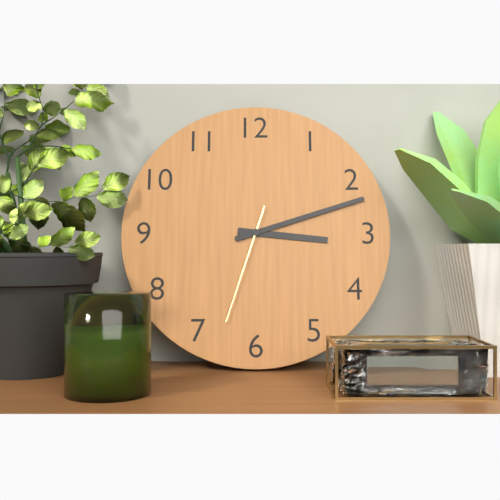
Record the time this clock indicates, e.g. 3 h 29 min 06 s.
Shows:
3 h 12 min 33 s
